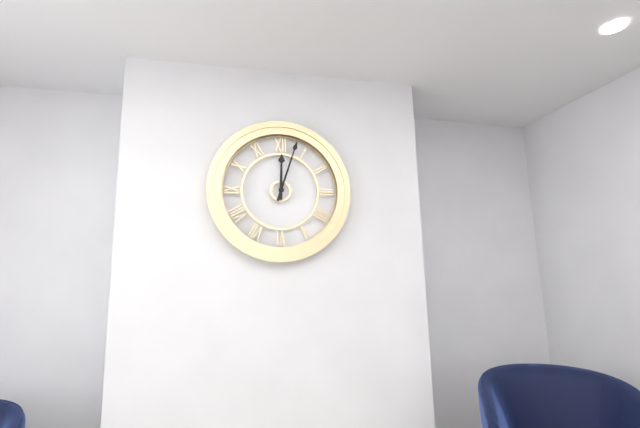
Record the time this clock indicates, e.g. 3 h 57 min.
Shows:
12 h 03 min
